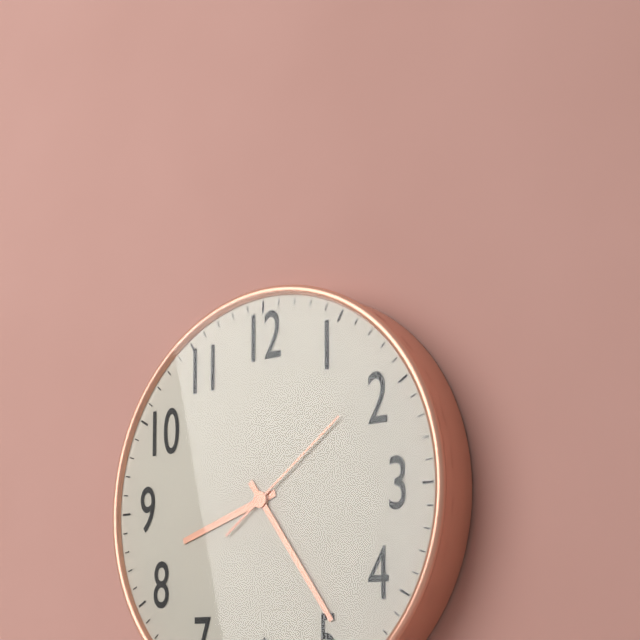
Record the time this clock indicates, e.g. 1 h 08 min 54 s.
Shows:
8 h 24 min 09 s
